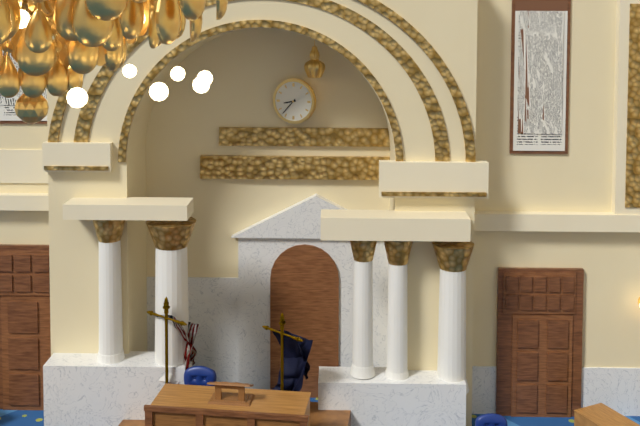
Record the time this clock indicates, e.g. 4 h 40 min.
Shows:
8 h 37 min
